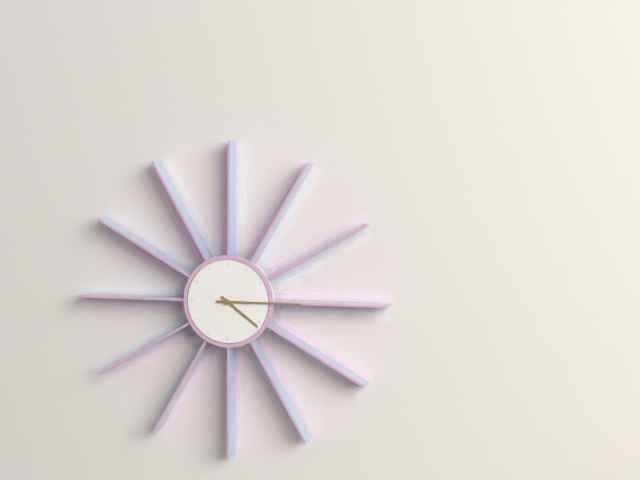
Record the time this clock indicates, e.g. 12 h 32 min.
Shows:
4 h 15 min
